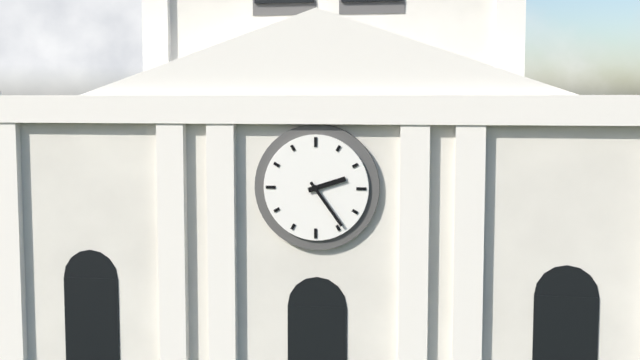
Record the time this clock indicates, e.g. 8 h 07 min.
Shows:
2 h 24 min
